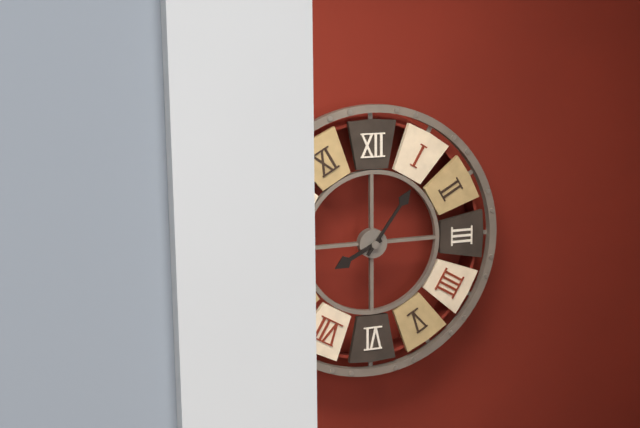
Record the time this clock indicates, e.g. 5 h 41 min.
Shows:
8 h 06 min
